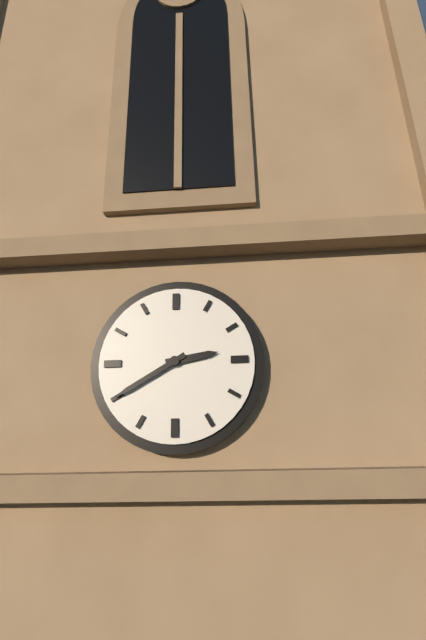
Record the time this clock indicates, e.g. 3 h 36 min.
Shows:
2 h 40 min
